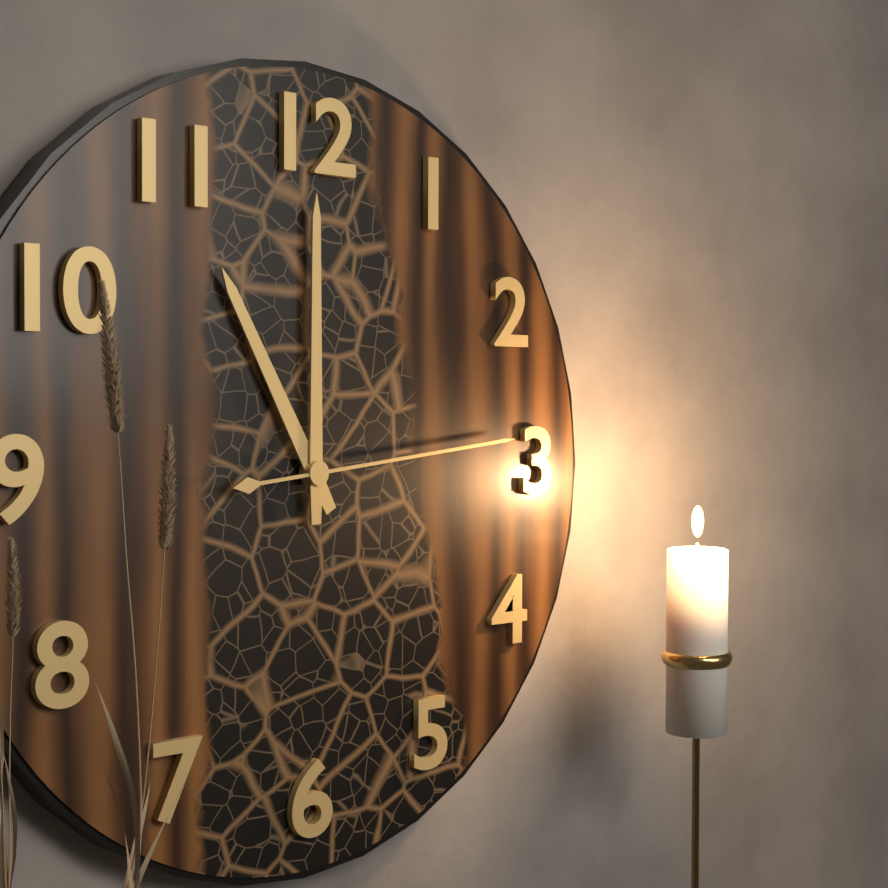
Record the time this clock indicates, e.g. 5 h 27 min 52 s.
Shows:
11 h 00 min 14 s
